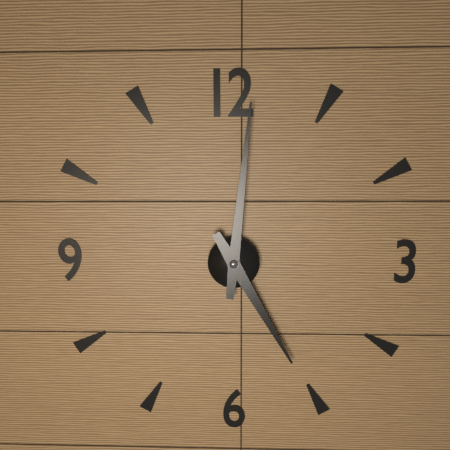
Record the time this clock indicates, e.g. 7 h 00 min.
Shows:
5 h 01 min
